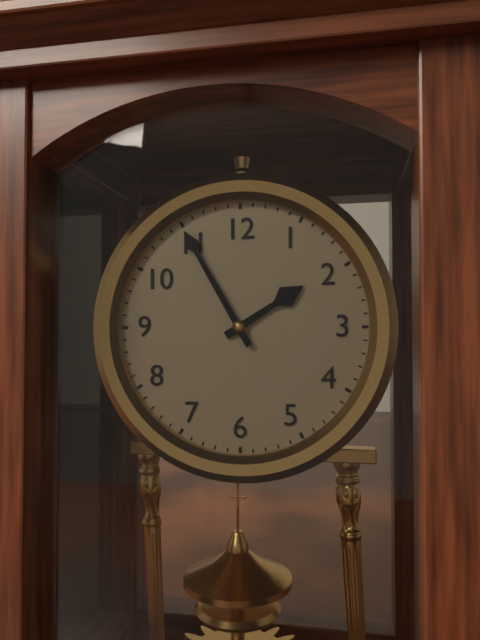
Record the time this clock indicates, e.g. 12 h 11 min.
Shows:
1 h 55 min
